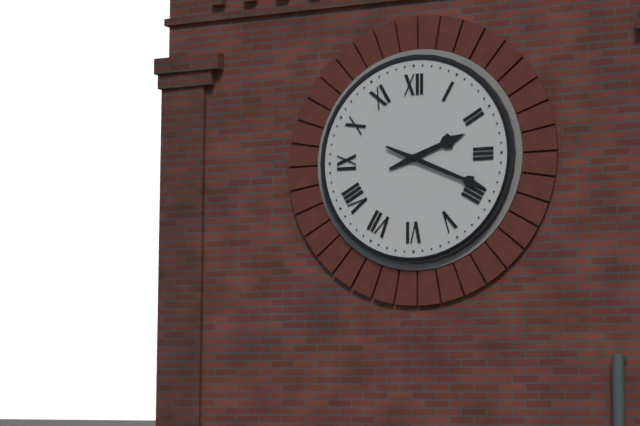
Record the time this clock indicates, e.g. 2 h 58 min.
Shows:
2 h 19 min
